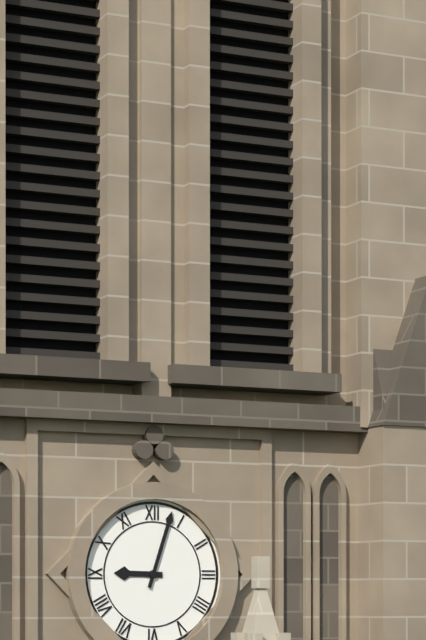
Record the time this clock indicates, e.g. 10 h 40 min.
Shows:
9 h 03 min
